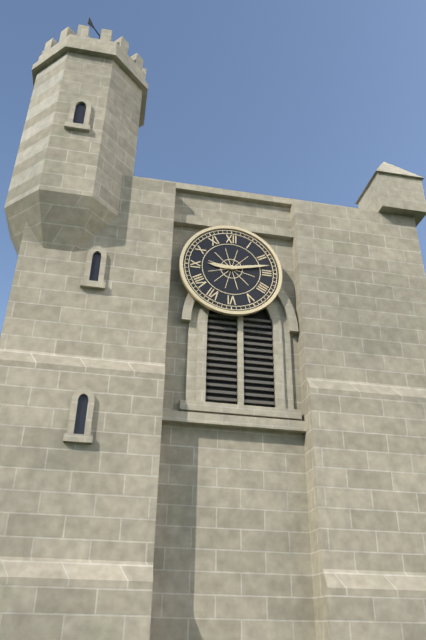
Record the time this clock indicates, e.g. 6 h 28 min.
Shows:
9 h 13 min
